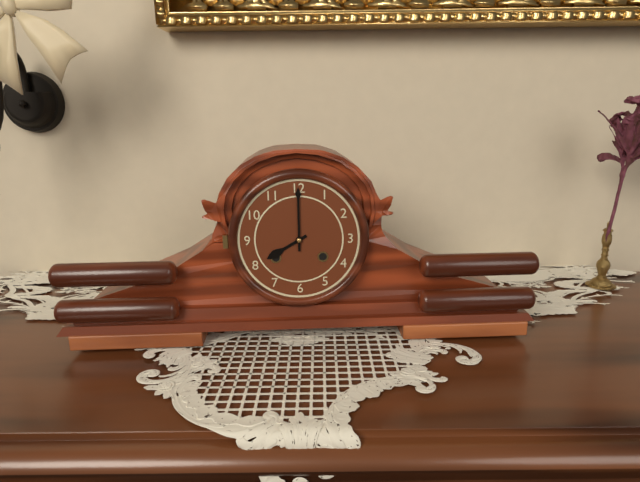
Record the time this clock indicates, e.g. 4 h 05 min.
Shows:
8 h 00 min
